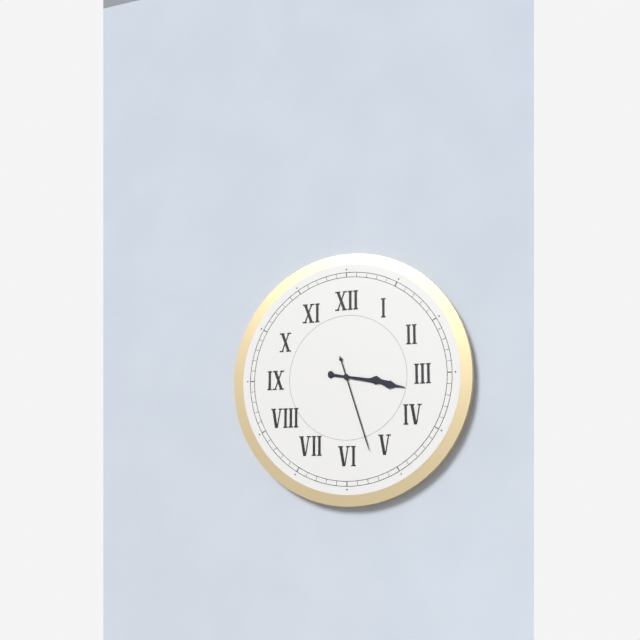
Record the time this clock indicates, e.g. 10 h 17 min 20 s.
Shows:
3 h 17 min 27 s
